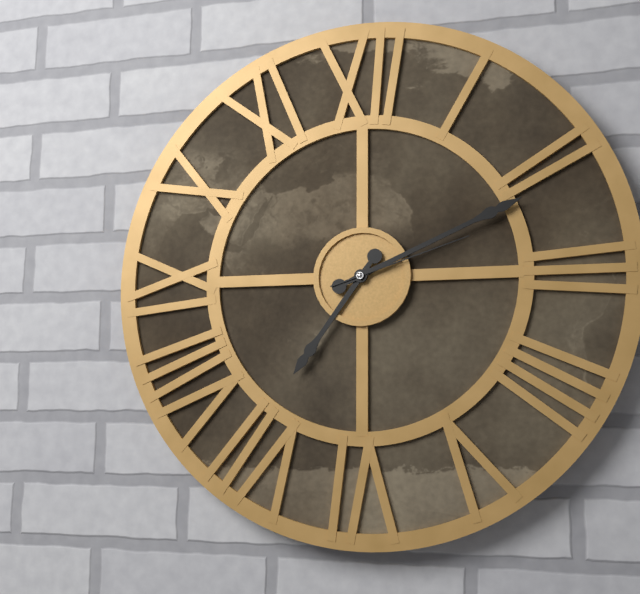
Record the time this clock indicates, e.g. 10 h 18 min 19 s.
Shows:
7 h 11 min 12 s
